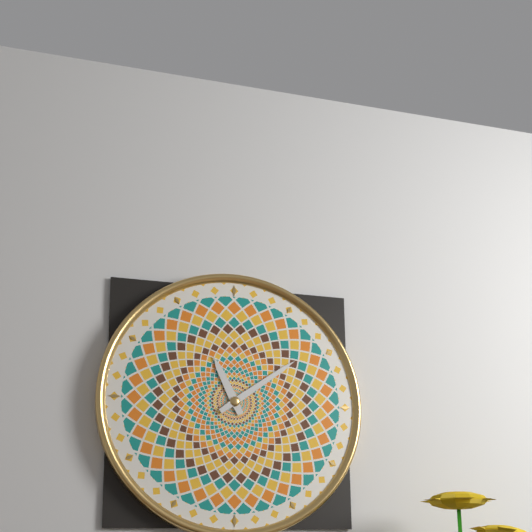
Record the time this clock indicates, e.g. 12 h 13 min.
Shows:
11 h 09 min
